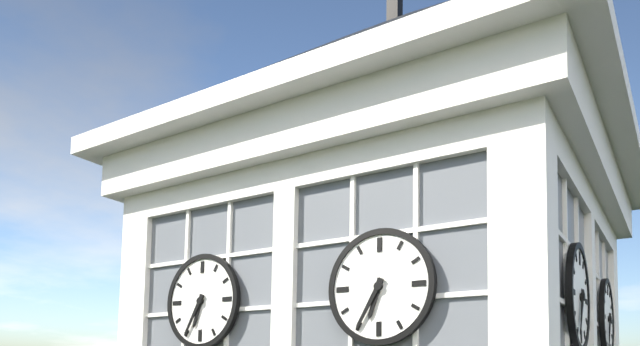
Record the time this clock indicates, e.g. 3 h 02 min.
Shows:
6 h 35 min
